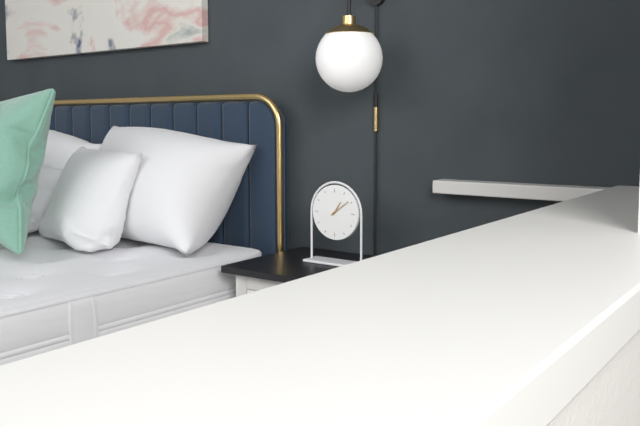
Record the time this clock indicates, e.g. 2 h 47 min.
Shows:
1 h 09 min
